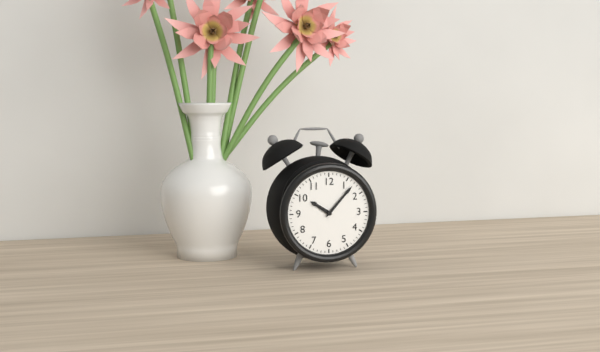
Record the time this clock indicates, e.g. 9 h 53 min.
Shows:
10 h 07 min
